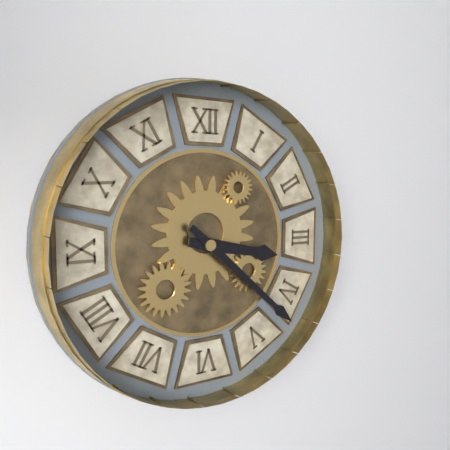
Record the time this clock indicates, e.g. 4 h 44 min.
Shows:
3 h 22 min
